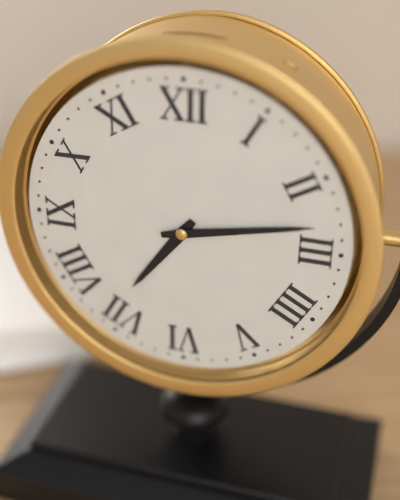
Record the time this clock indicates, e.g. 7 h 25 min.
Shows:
7 h 13 min
